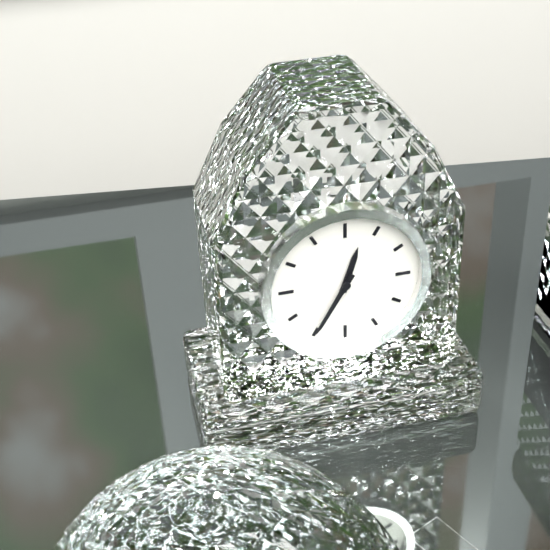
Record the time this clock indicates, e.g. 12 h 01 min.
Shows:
12 h 35 min
